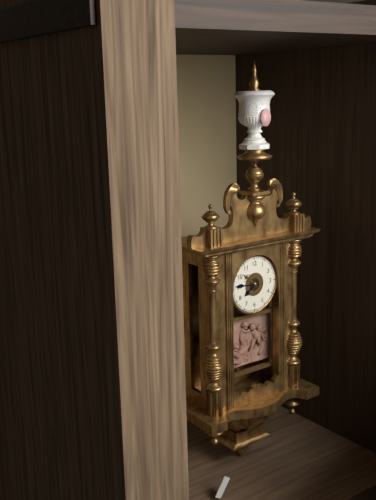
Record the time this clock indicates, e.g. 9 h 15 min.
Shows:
7 h 46 min
